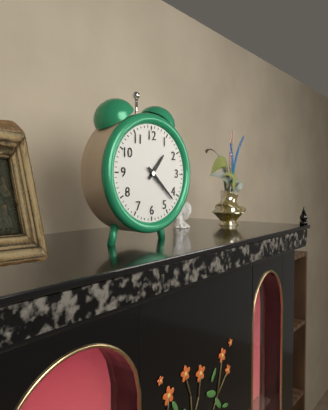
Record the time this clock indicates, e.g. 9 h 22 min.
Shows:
1 h 22 min
